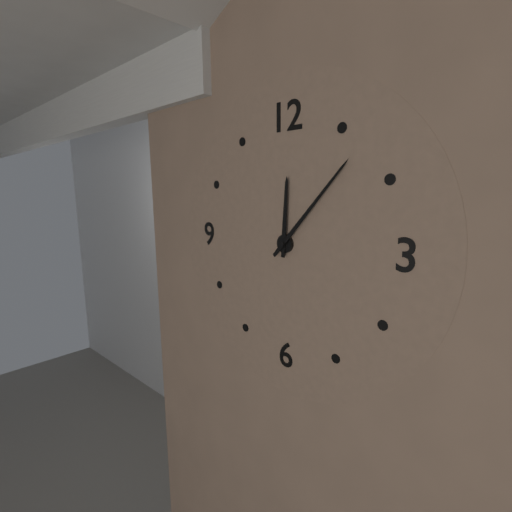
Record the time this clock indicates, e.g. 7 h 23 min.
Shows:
12 h 07 min
